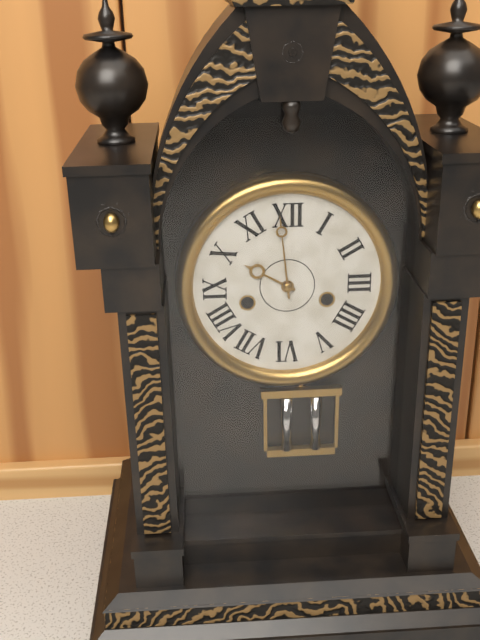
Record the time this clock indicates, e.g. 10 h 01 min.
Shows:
9 h 59 min
